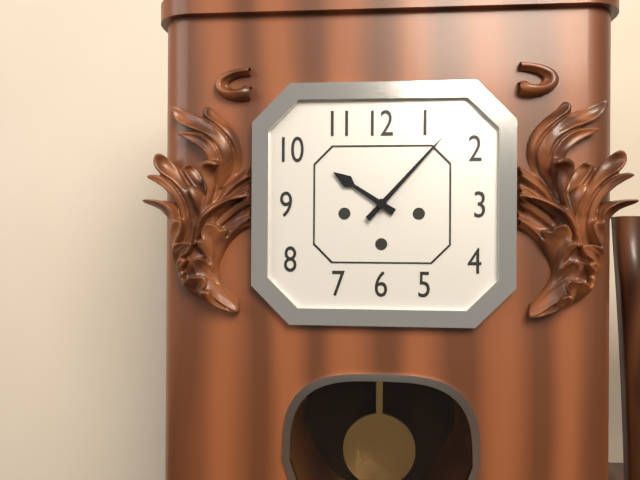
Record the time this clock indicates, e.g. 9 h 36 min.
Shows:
10 h 07 min
